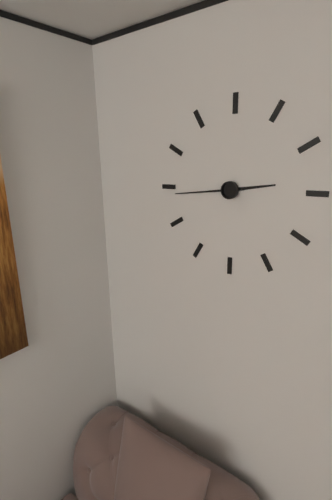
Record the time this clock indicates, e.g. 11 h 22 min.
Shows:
2 h 44 min
